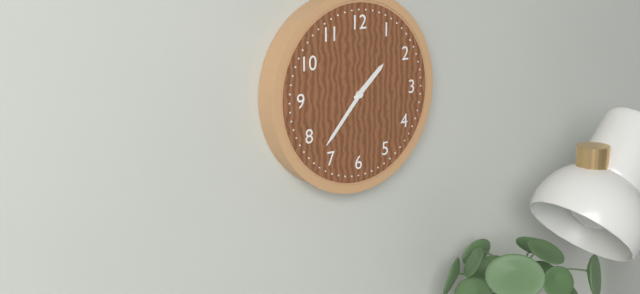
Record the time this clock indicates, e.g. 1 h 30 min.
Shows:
1 h 37 min
